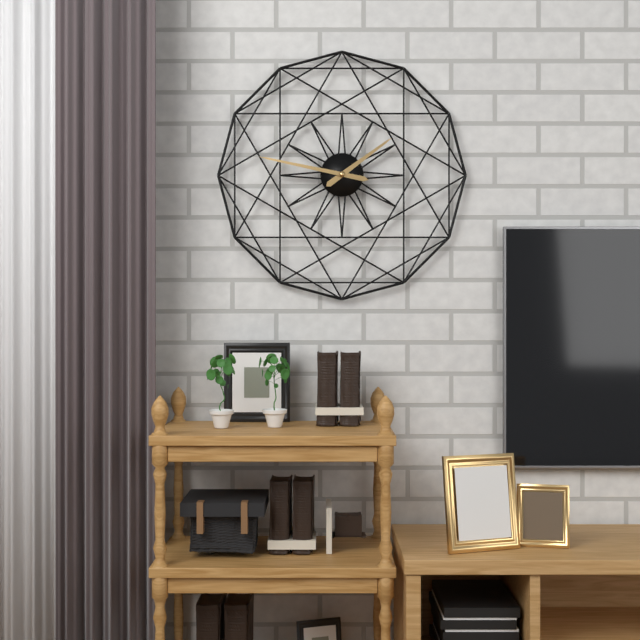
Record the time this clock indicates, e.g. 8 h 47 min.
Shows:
1 h 47 min
